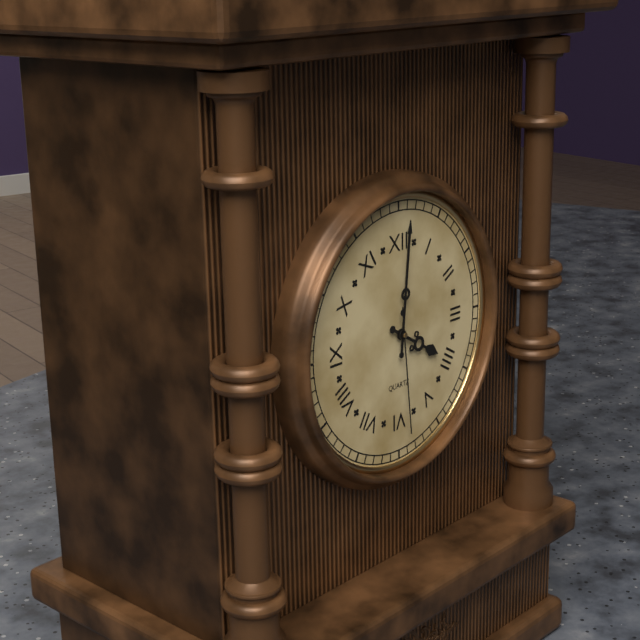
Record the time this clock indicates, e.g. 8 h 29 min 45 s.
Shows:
4 h 01 min 29 s
